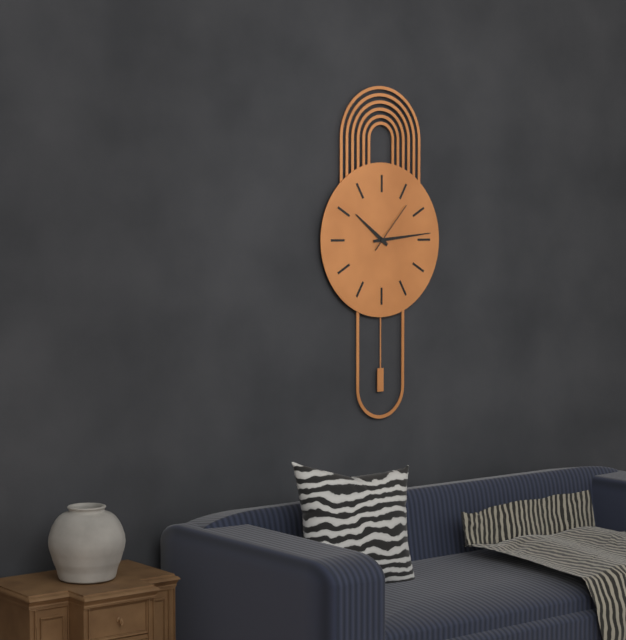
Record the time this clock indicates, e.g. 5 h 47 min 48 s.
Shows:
10 h 14 min 07 s
